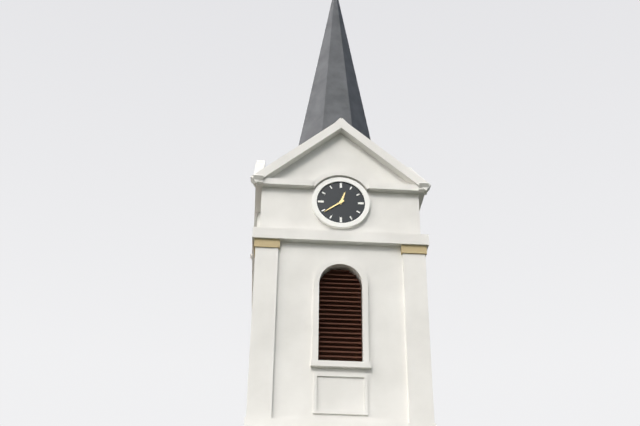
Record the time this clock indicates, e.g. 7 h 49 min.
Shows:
12 h 39 min
